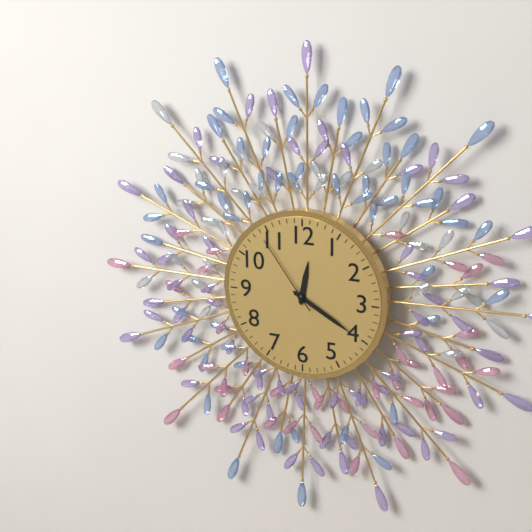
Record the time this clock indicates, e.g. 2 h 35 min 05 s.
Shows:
12 h 20 min 54 s
